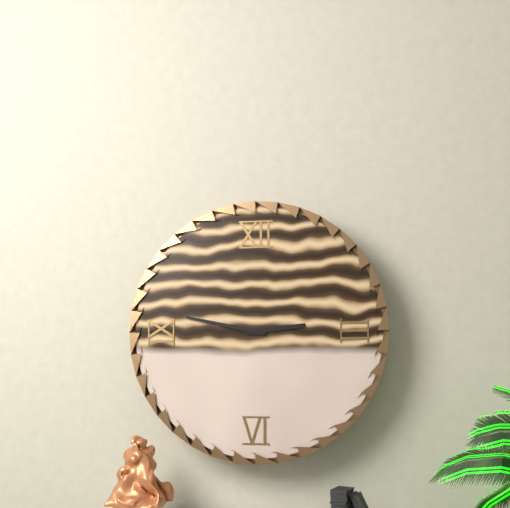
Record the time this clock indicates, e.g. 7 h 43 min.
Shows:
2 h 47 min
